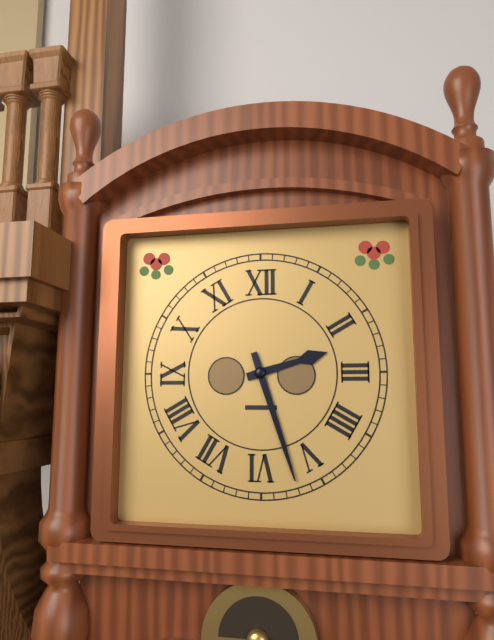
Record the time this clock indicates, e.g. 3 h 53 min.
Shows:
2 h 27 min
